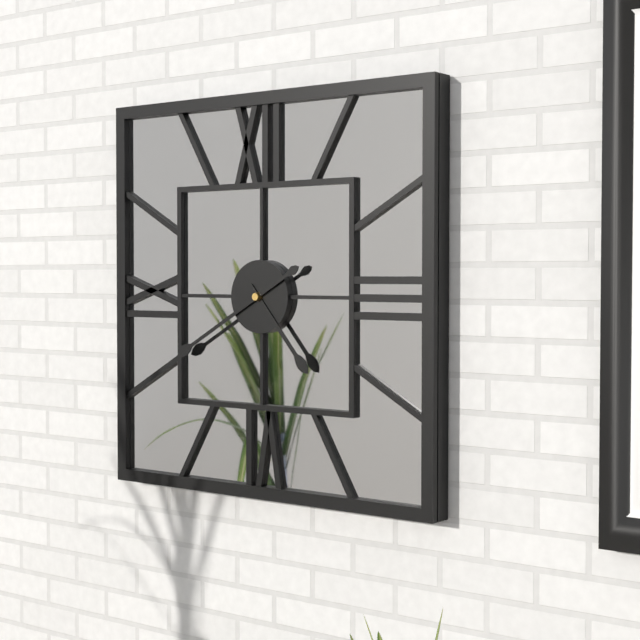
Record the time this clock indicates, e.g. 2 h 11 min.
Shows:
4 h 40 min
